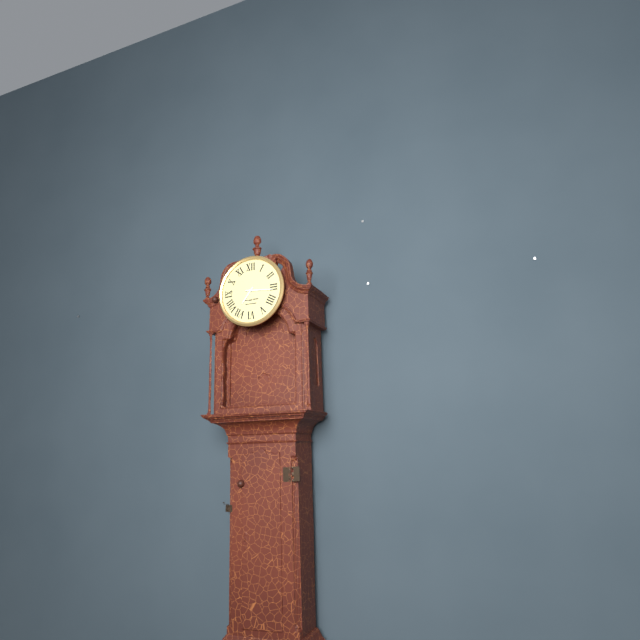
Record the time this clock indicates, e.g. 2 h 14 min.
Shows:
7 h 16 min
